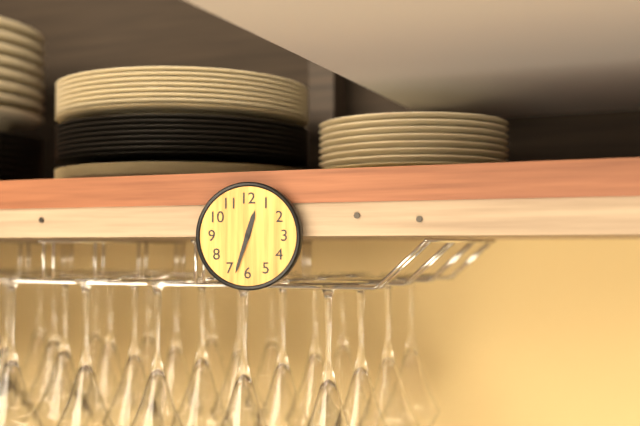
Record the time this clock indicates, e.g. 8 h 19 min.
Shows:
12 h 33 min
